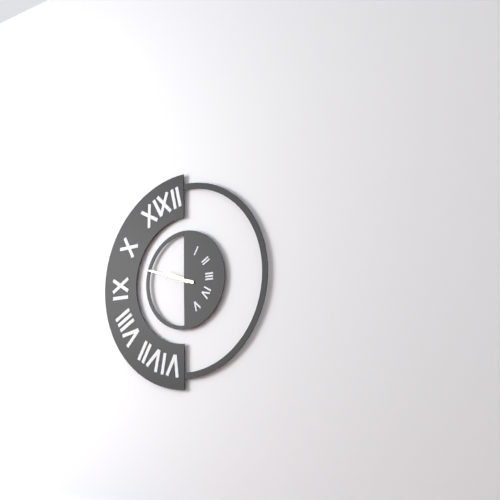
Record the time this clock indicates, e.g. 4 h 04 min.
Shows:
9 h 48 min
